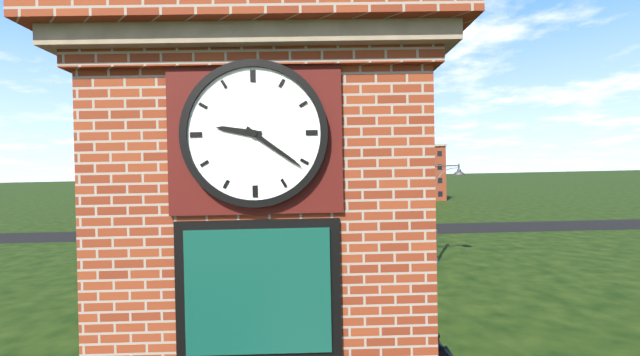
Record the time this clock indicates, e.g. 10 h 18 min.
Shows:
9 h 21 min
